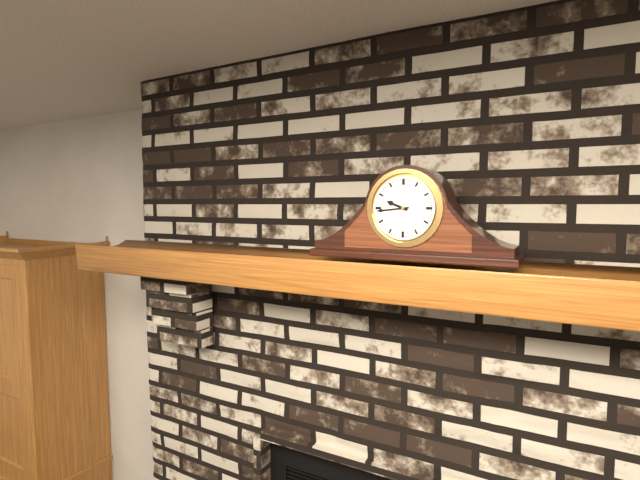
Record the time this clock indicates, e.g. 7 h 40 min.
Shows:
9 h 44 min
